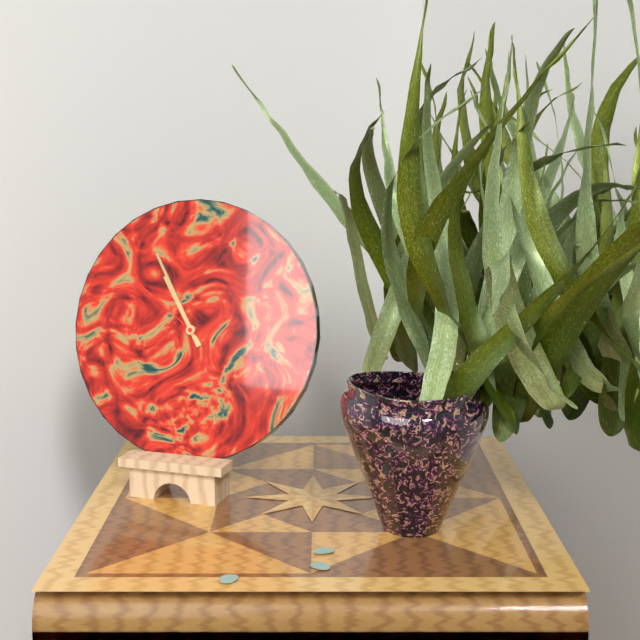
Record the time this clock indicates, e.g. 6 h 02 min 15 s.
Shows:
10 h 55 min 51 s
